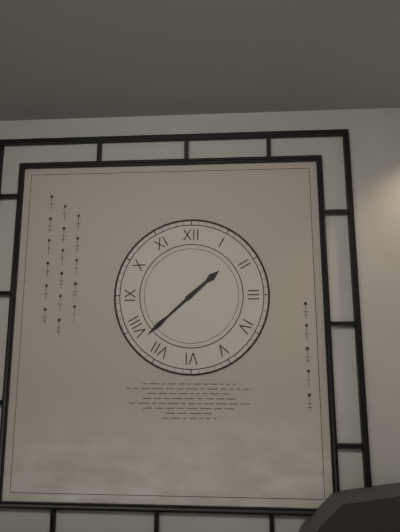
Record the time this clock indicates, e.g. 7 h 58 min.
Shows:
1 h 38 min
